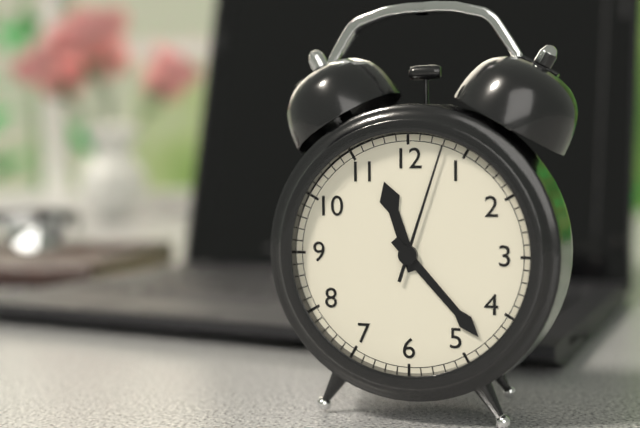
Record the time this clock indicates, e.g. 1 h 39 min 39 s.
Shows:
11 h 23 min 03 s
